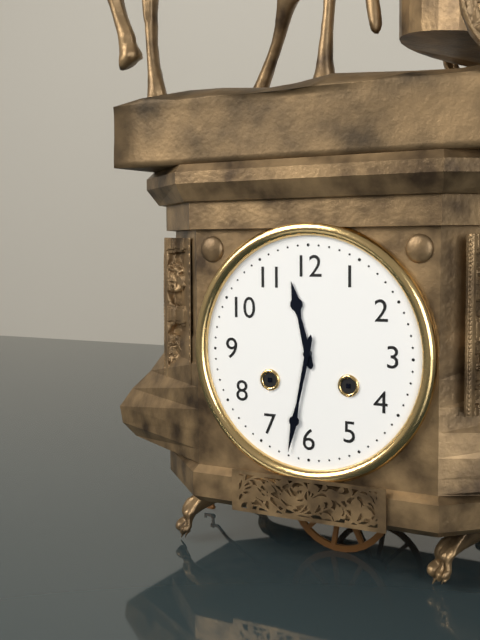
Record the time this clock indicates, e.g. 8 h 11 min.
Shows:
11 h 32 min
